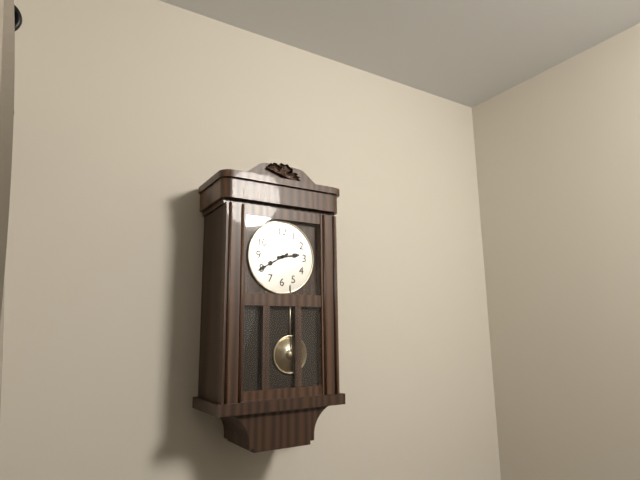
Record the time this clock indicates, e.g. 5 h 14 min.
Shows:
2 h 40 min
